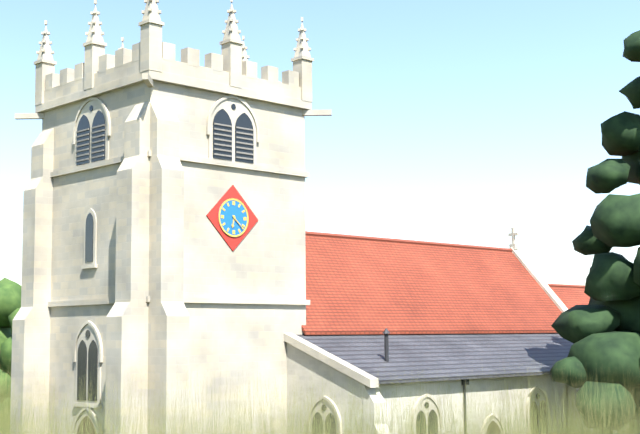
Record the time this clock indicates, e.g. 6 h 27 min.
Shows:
6 h 22 min
